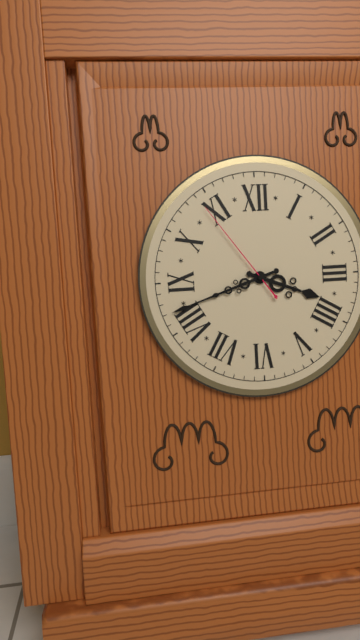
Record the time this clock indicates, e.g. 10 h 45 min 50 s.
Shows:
3 h 42 min 54 s
